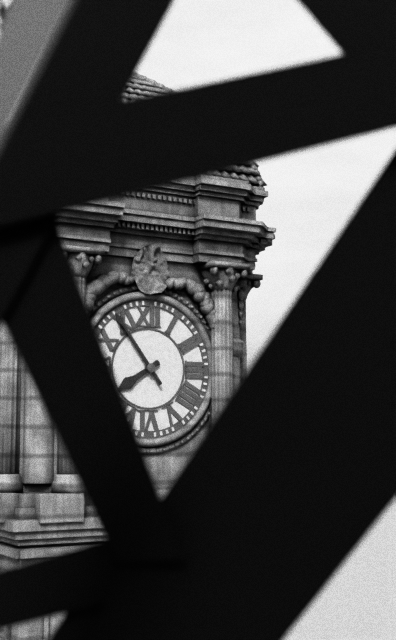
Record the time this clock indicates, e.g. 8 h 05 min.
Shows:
7 h 54 min
